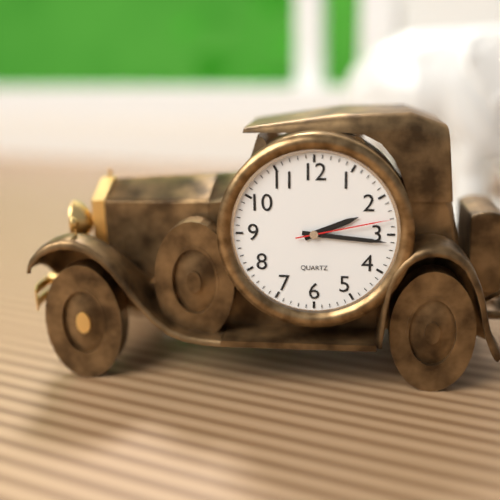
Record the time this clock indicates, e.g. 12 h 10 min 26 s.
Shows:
2 h 16 min 13 s
